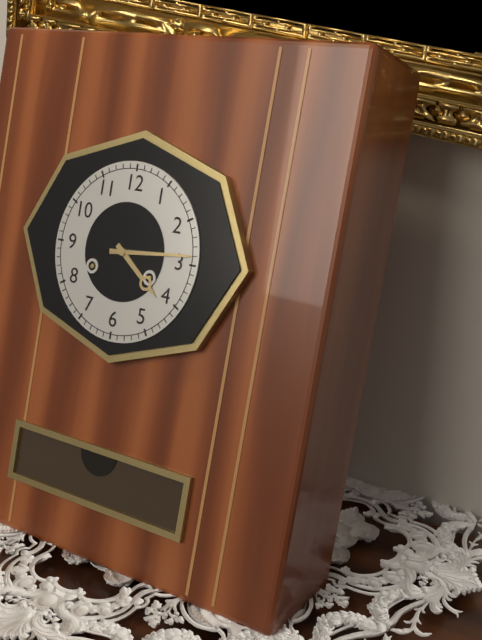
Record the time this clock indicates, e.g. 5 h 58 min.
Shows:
4 h 14 min
